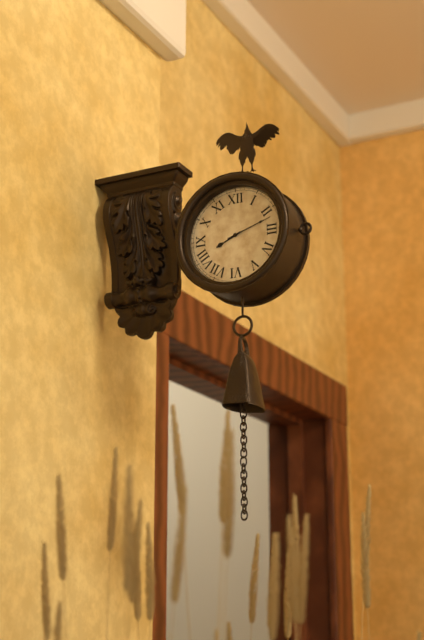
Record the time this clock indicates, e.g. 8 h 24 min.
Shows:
8 h 12 min
